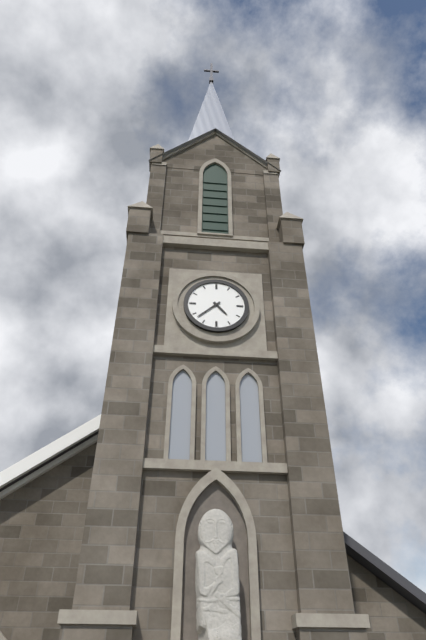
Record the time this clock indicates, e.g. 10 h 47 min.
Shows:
4 h 38 min
